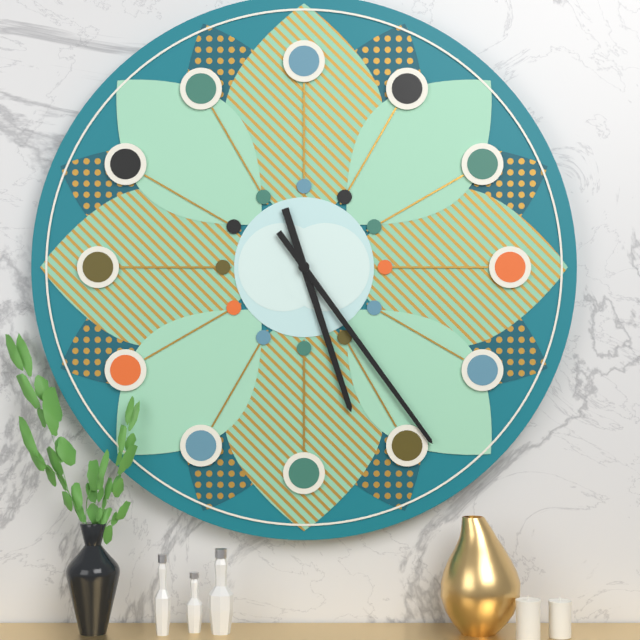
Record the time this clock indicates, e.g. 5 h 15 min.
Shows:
5 h 24 min
